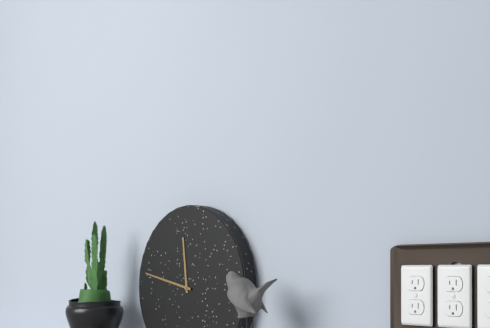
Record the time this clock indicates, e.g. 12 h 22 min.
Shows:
11 h 47 min
